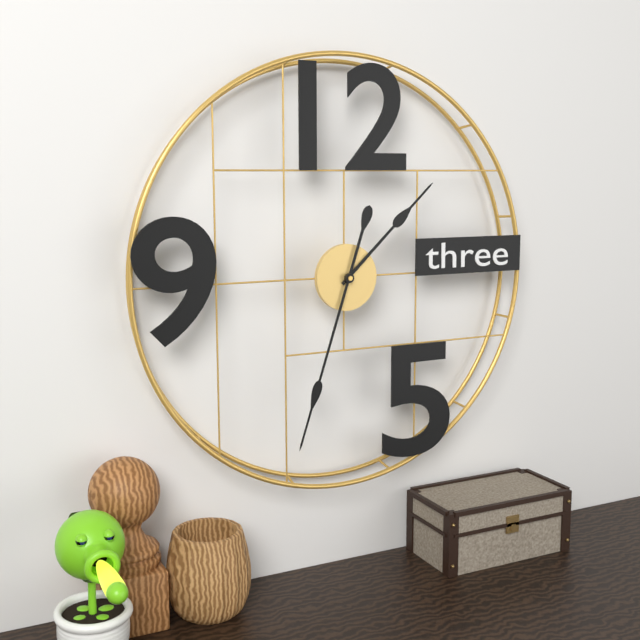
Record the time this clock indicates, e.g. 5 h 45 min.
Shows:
1 h 33 min
